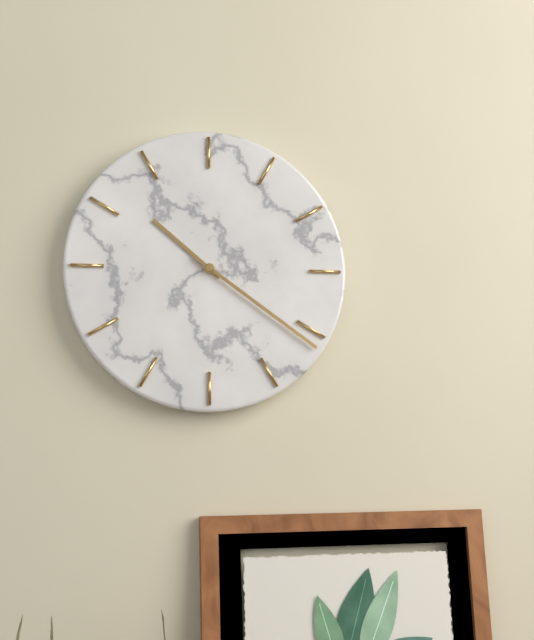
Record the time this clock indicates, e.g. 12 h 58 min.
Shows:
10 h 21 min
